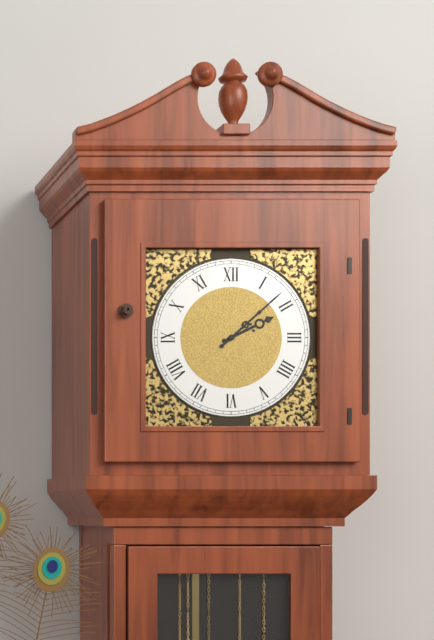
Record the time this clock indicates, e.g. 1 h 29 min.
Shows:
2 h 08 min
